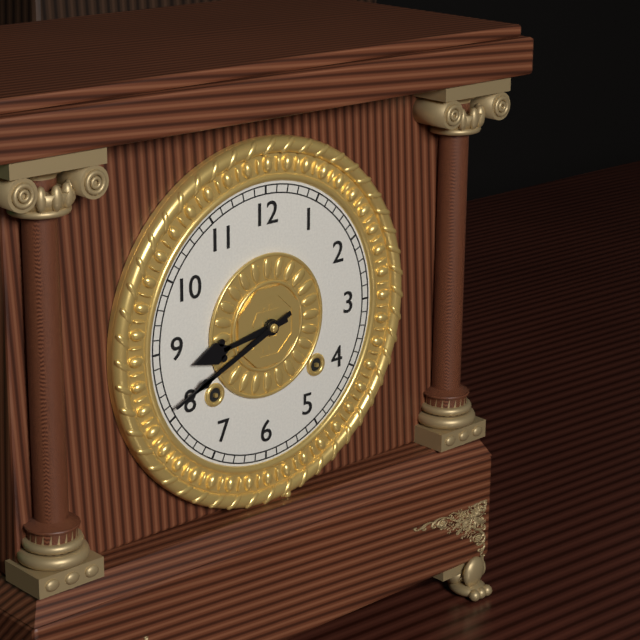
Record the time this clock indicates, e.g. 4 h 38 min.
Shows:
8 h 41 min
